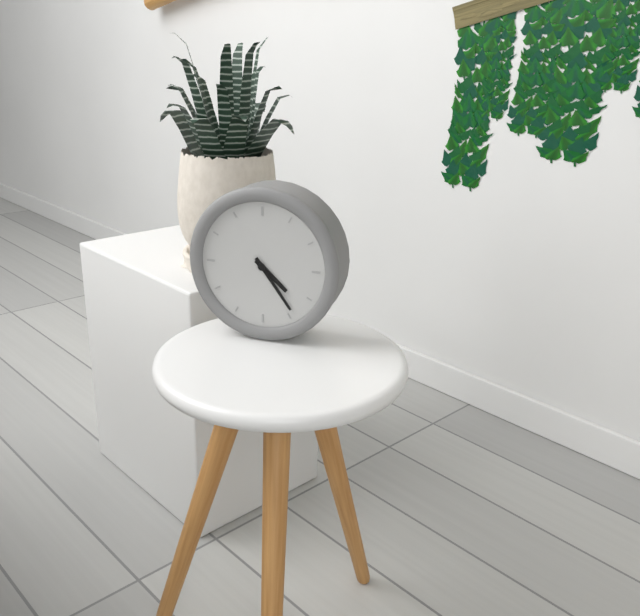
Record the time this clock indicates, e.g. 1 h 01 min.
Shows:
4 h 24 min
